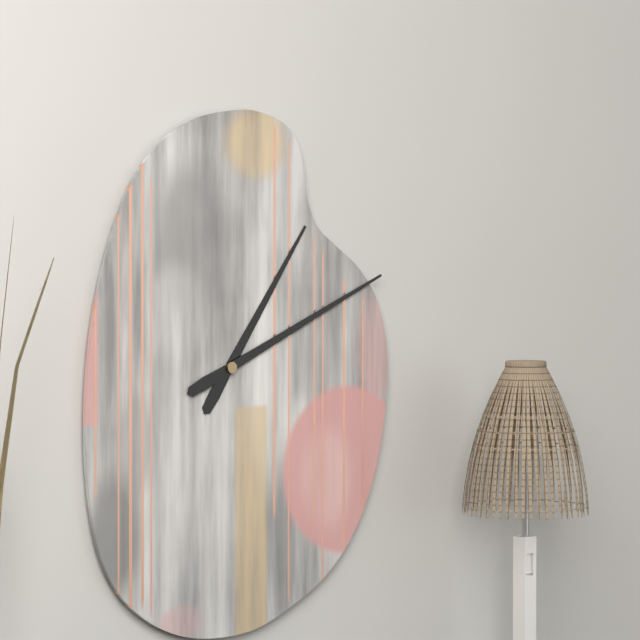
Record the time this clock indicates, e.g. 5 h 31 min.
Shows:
1 h 11 min
